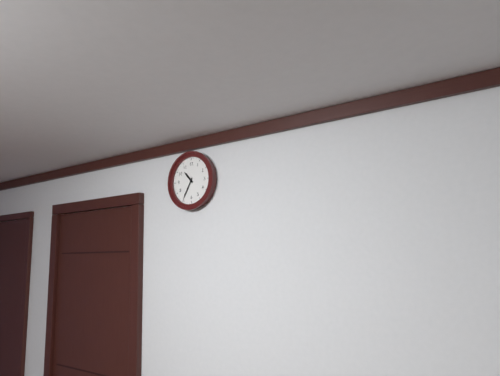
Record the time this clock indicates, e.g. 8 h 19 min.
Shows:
10 h 35 min
